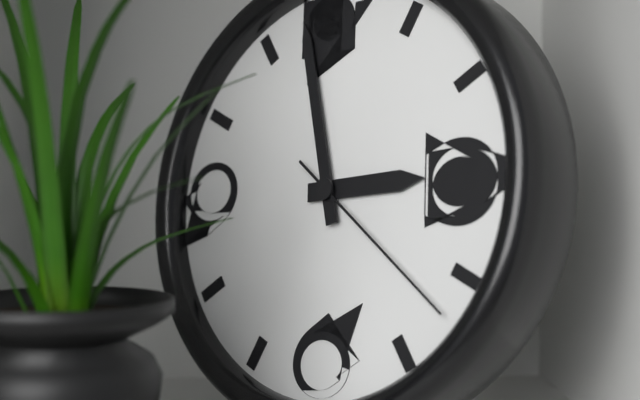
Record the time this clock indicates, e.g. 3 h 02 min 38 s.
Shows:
2 h 58 min 22 s
